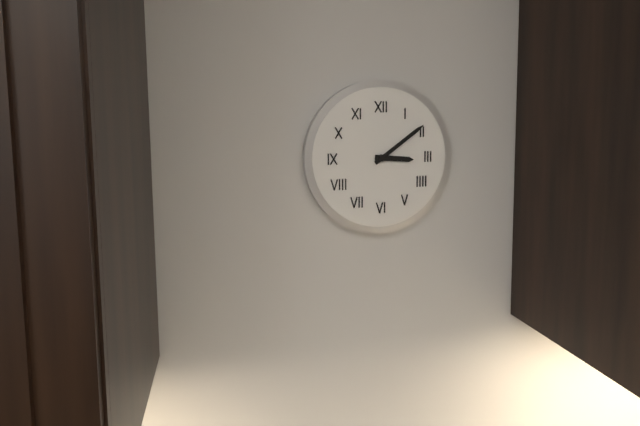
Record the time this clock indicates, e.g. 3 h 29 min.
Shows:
3 h 09 min
